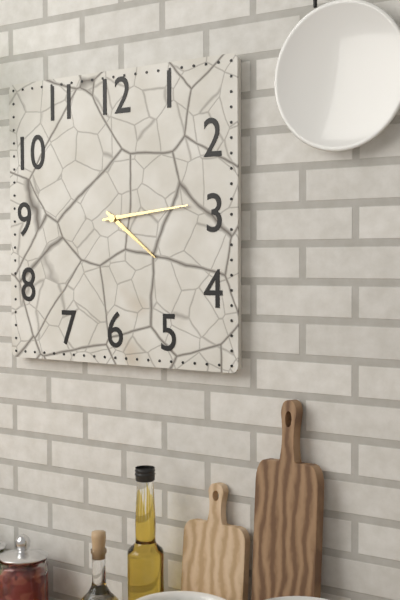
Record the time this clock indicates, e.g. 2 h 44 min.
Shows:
4 h 14 min
